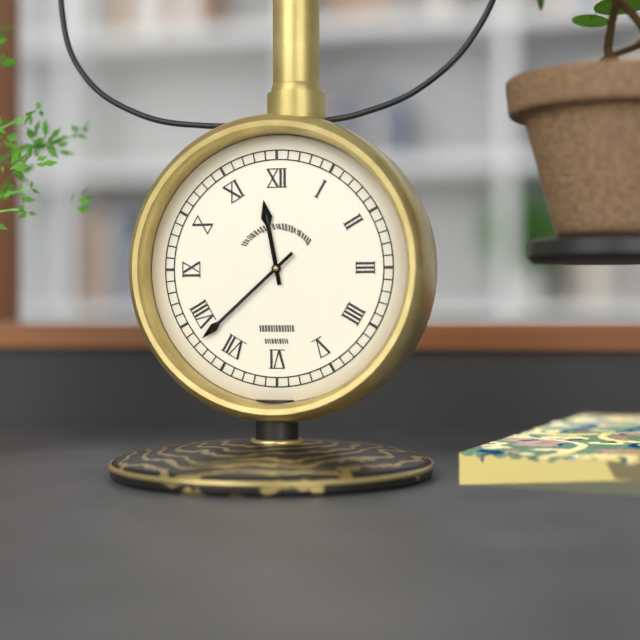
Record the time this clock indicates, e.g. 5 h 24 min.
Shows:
11 h 38 min
